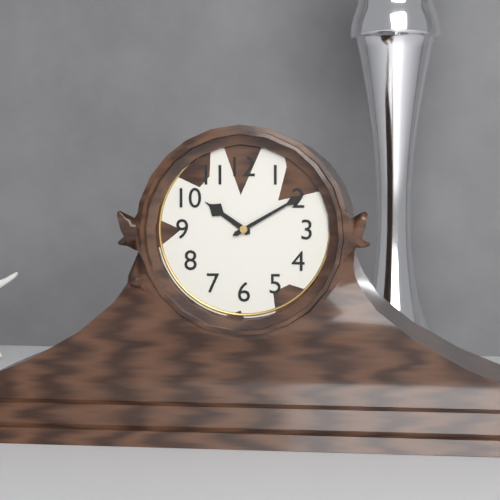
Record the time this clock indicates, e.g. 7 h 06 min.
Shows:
10 h 10 min
